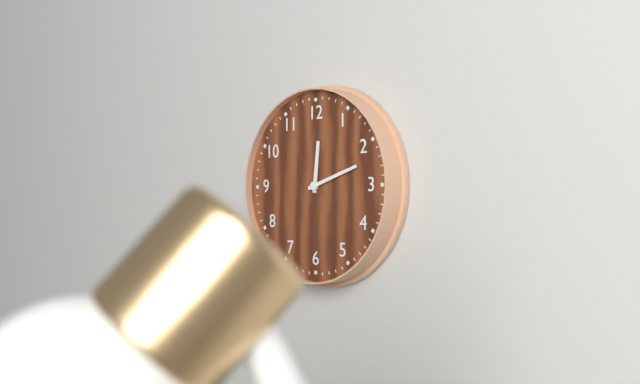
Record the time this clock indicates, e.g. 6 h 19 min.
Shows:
12 h 12 min
